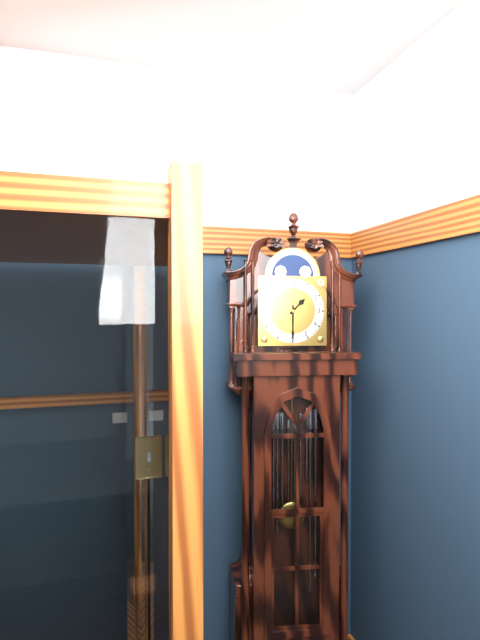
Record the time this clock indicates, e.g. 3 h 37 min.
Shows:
1 h 30 min
